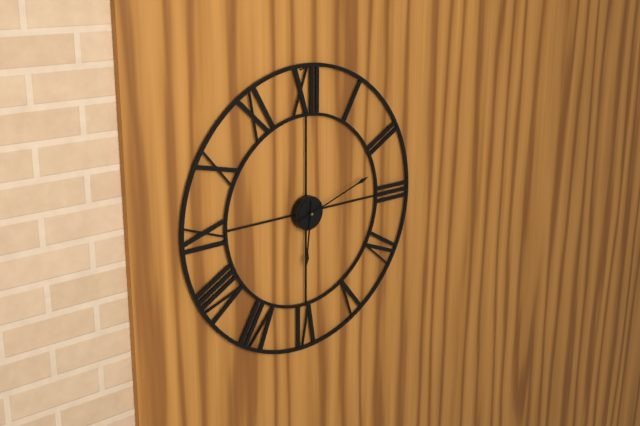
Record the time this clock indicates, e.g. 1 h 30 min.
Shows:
6 h 12 min
